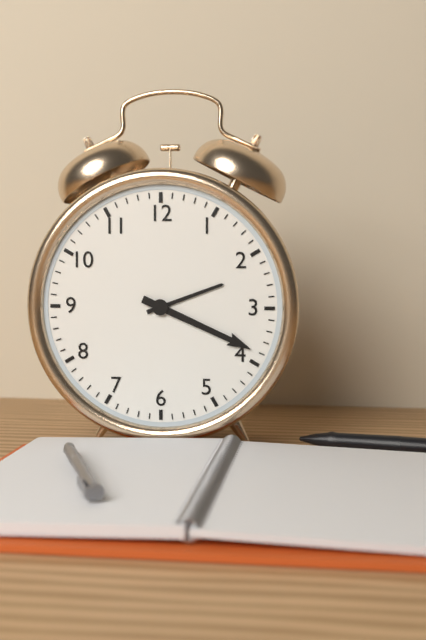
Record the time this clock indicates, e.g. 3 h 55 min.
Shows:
2 h 19 min
